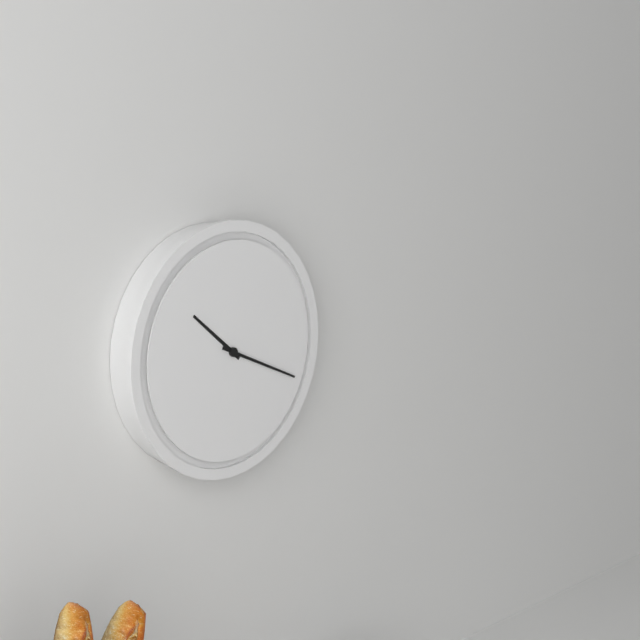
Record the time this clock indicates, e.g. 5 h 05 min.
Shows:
10 h 19 min
